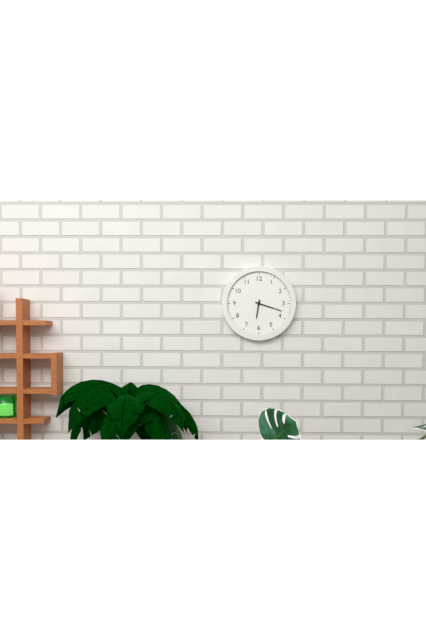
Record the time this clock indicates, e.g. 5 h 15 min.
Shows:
6 h 18 min
